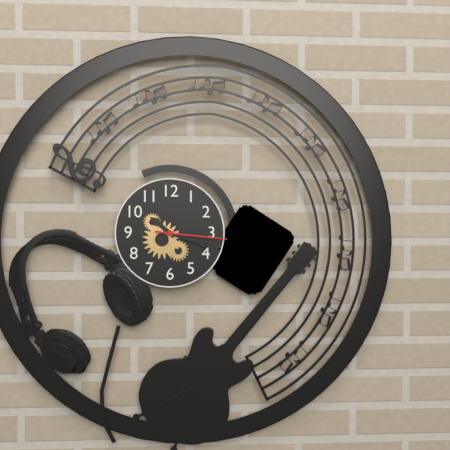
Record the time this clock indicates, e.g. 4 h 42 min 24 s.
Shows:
10 h 18 min 16 s
